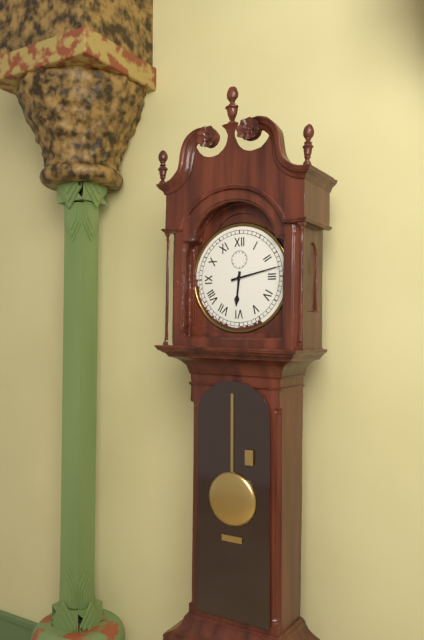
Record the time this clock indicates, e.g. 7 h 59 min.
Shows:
6 h 13 min
